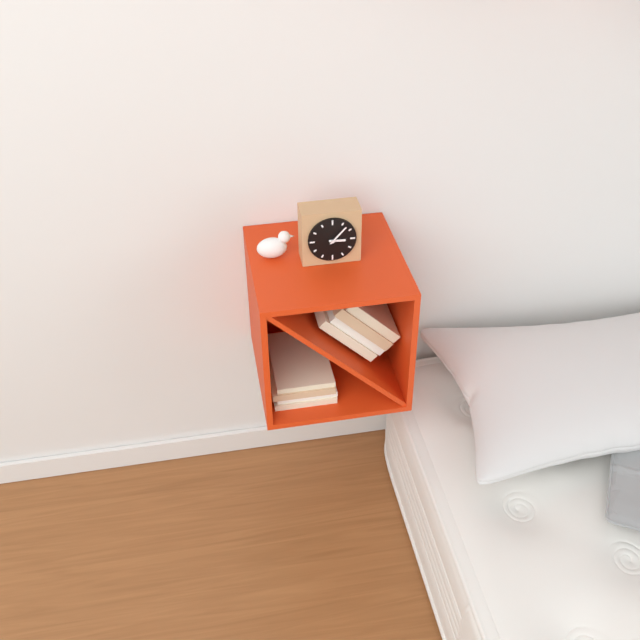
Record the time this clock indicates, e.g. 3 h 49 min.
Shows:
3 h 07 min
